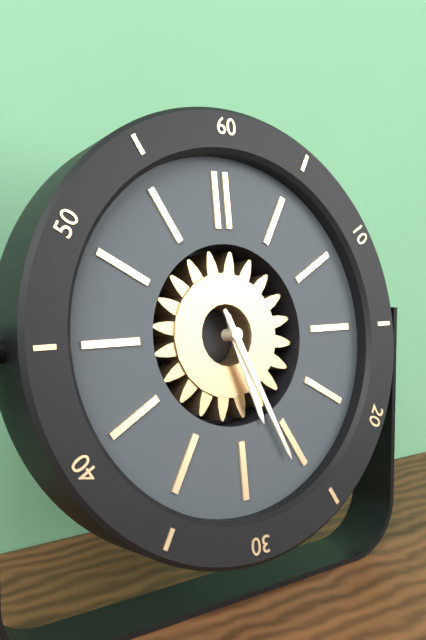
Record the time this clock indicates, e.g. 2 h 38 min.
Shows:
5 h 26 min
